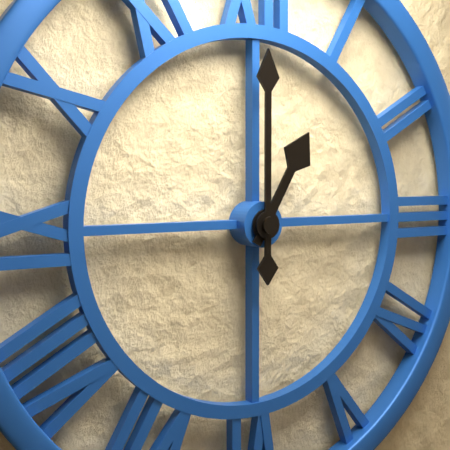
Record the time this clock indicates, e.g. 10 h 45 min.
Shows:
1 h 00 min
